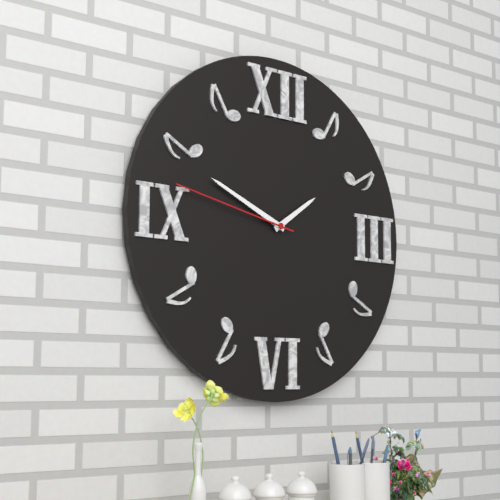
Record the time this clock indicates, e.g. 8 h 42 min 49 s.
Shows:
1 h 49 min 47 s
